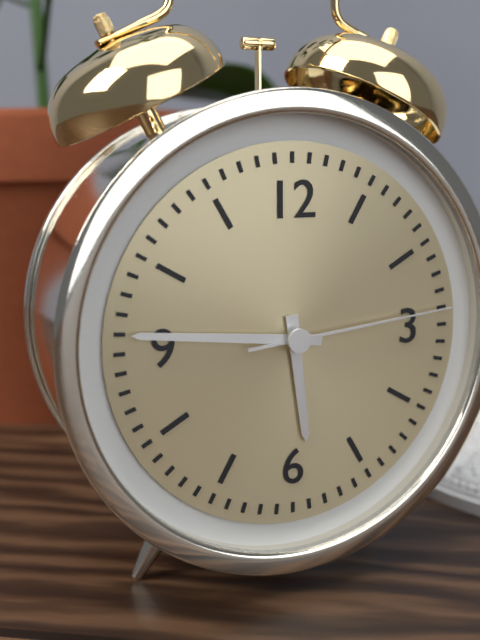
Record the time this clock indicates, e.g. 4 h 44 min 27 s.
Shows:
5 h 46 min 14 s
